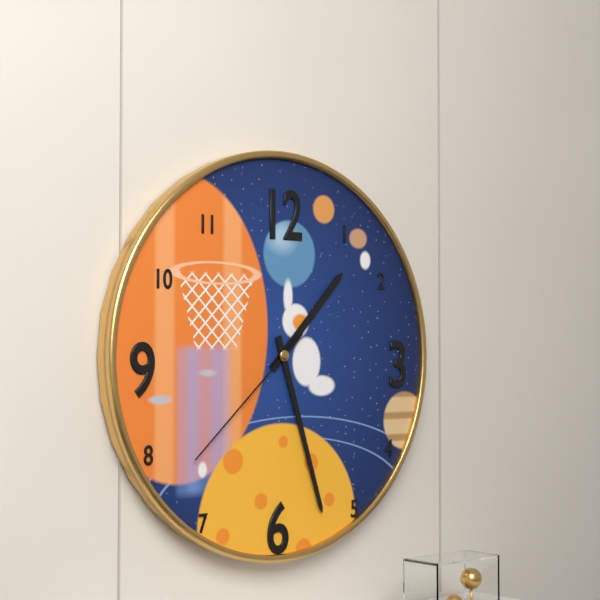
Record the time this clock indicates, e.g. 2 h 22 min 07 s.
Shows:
1 h 27 min 38 s
